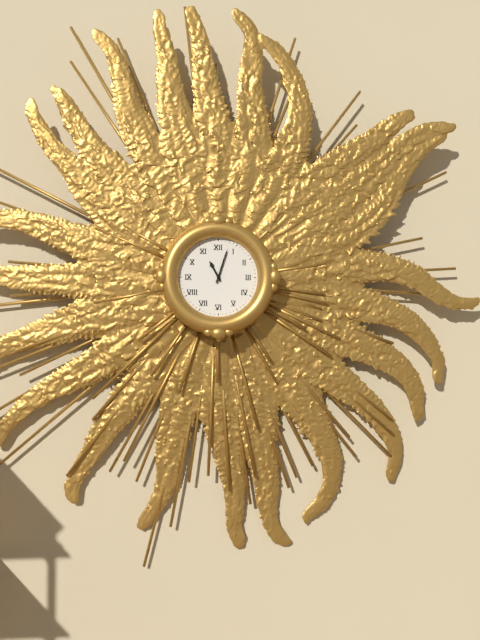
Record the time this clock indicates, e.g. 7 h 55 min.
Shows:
11 h 03 min
